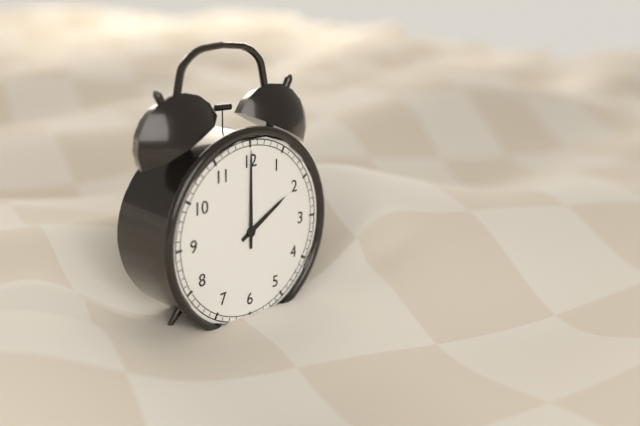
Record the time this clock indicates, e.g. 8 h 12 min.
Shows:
2 h 00 min
